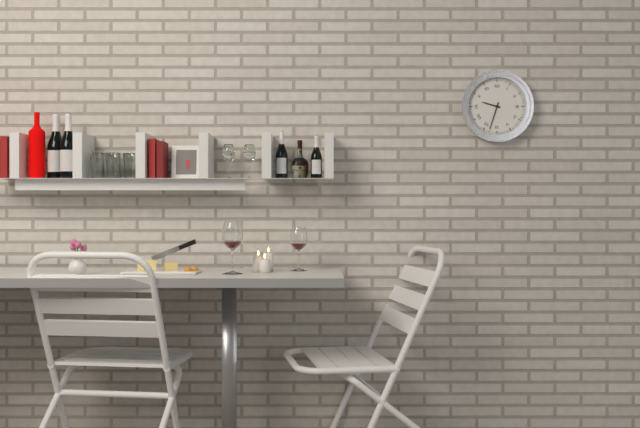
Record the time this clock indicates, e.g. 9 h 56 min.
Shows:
9 h 33 min
